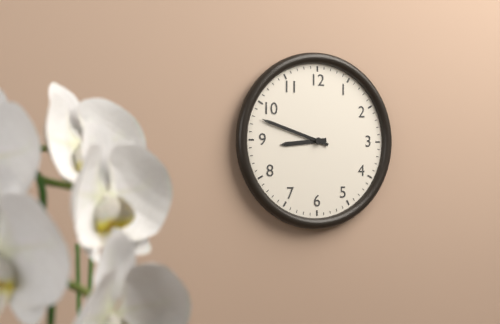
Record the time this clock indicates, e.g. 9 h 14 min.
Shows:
8 h 48 min
